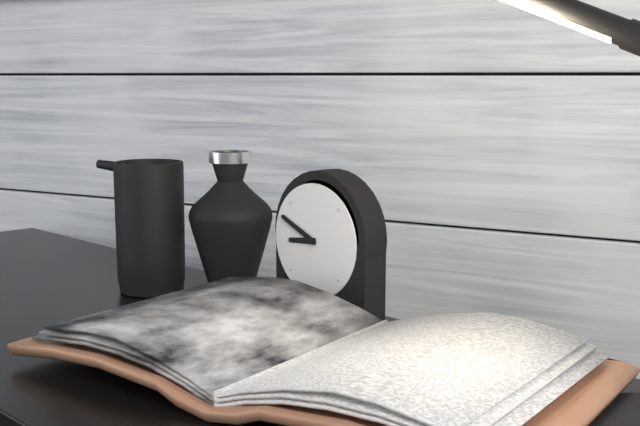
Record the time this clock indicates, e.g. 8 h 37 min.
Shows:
8 h 49 min
